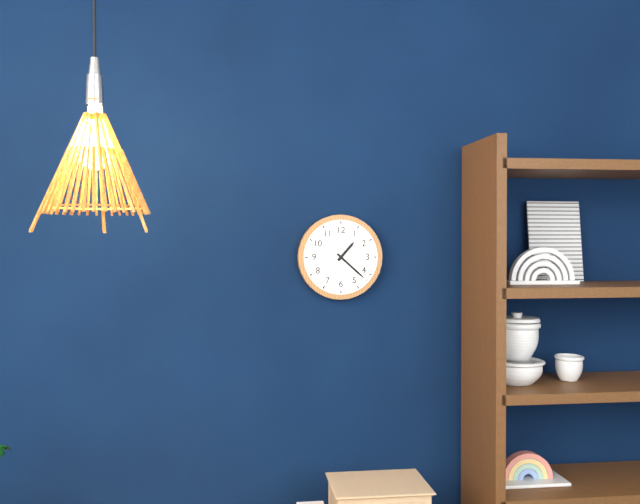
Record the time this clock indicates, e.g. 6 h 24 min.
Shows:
1 h 22 min
